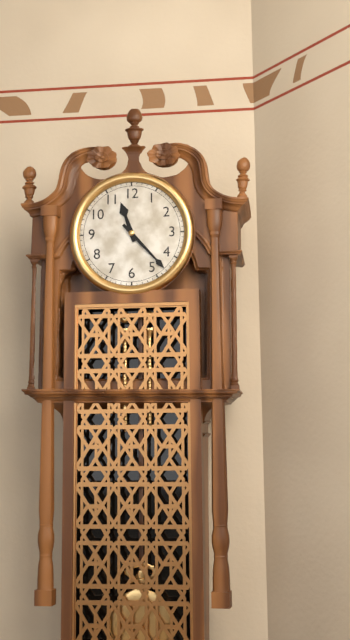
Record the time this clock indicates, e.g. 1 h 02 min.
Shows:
11 h 23 min
